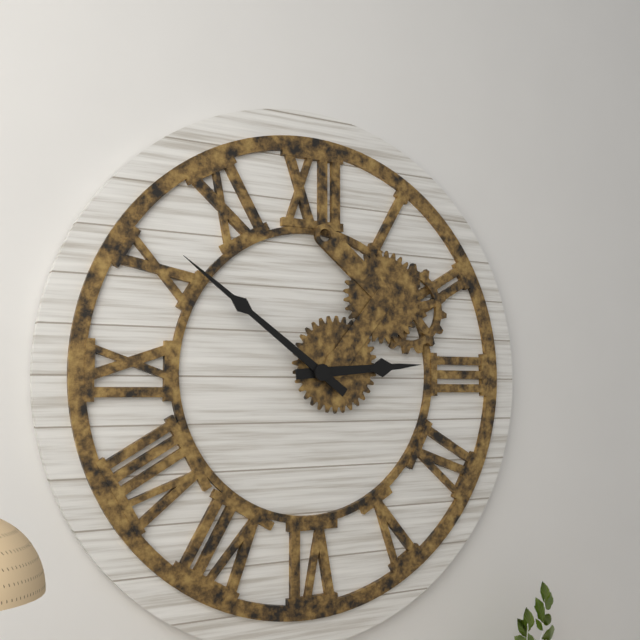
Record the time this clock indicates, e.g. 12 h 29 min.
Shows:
2 h 51 min
